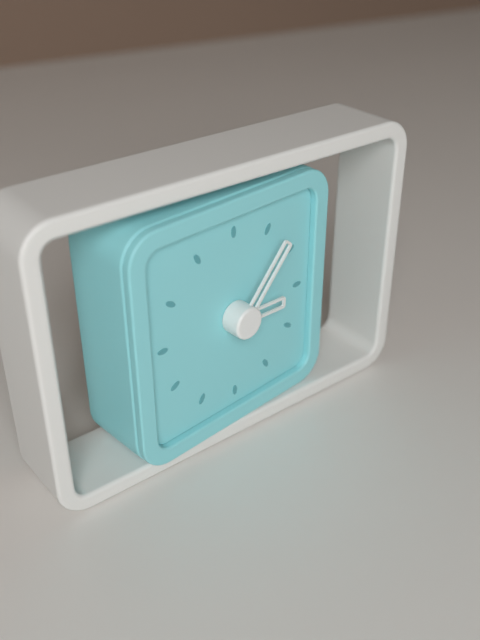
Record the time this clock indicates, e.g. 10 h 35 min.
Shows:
3 h 07 min
